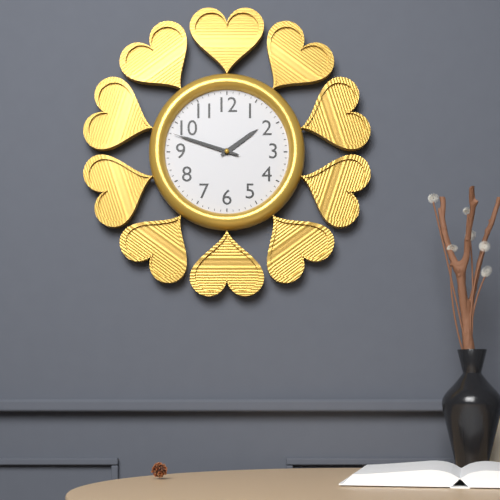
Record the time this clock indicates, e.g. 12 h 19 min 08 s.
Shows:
1 h 48 min 48 s
